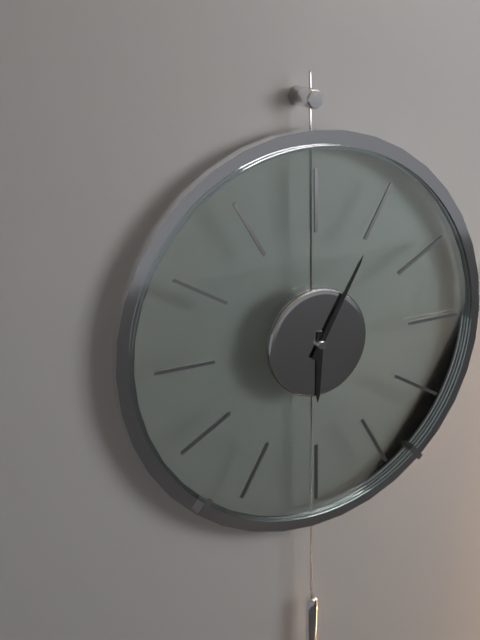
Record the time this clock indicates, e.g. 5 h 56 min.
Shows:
6 h 05 min
